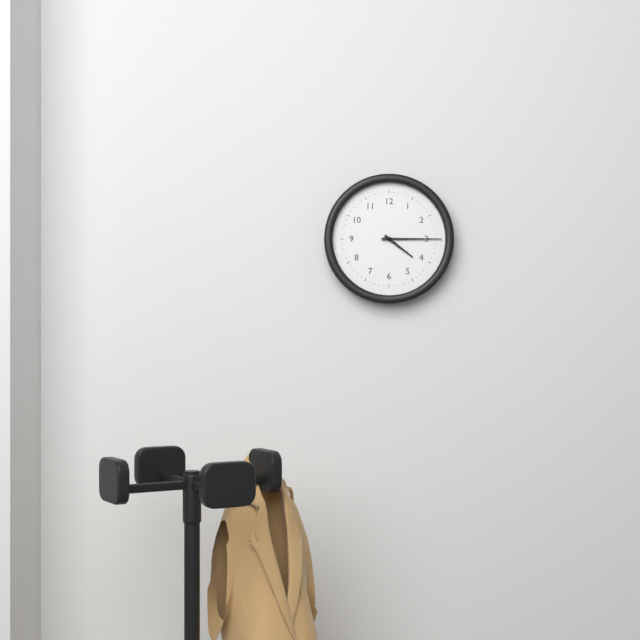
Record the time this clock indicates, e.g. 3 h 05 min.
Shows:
4 h 15 min
